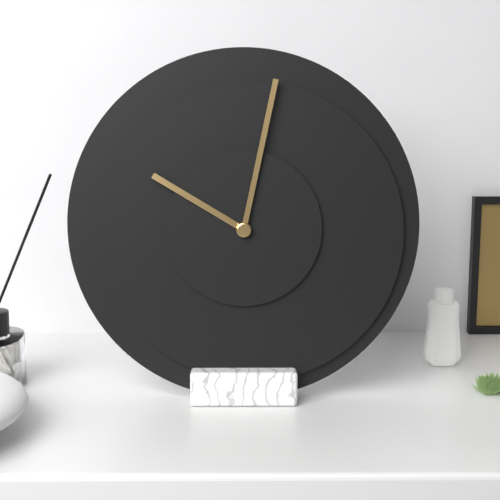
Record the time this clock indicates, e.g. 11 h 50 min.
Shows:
10 h 02 min
